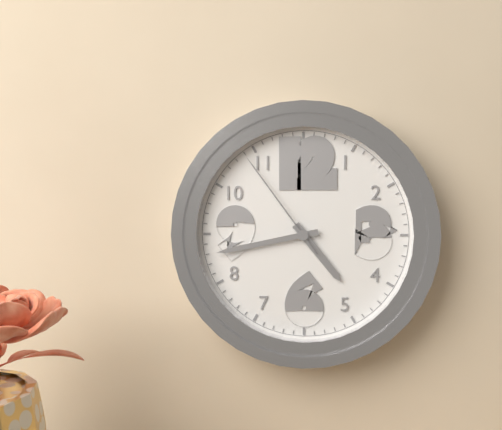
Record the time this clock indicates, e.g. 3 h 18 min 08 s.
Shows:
4 h 43 min 54 s
